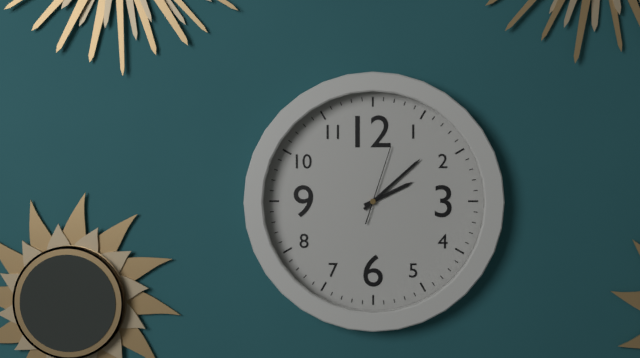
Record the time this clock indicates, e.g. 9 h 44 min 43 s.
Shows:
2 h 08 min 03 s
